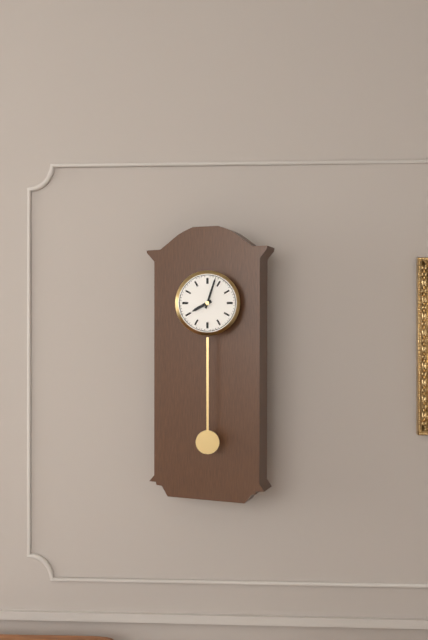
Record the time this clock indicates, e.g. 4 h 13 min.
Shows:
8 h 03 min
